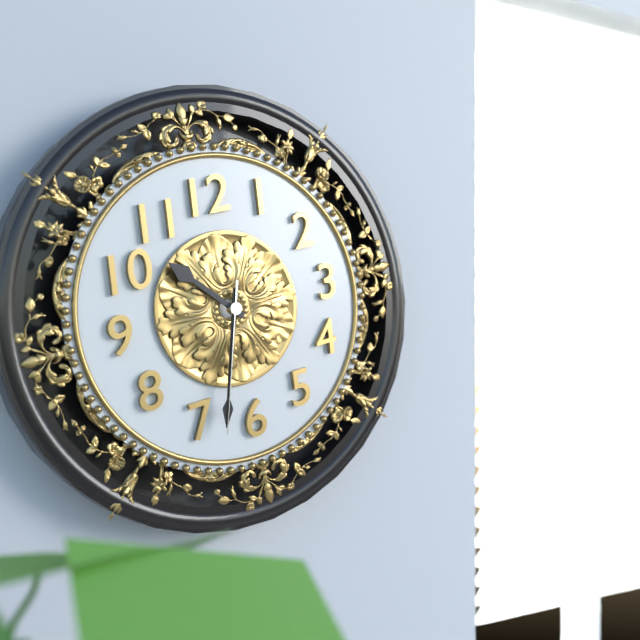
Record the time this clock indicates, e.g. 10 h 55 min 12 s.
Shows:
10 h 33 min 33 s
